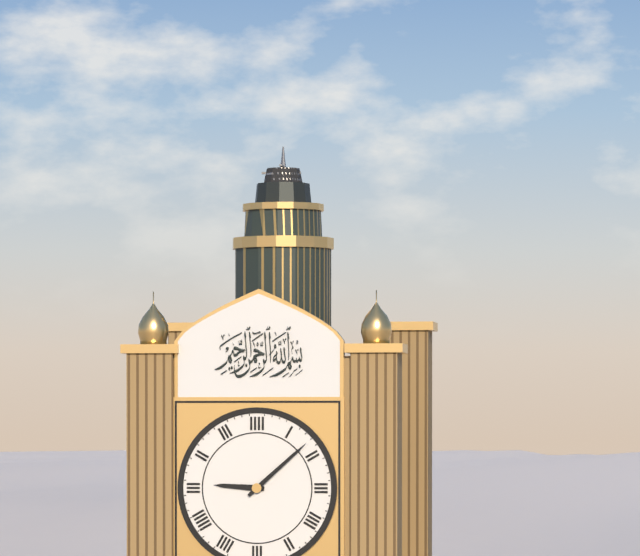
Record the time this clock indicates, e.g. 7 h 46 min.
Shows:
9 h 08 min
